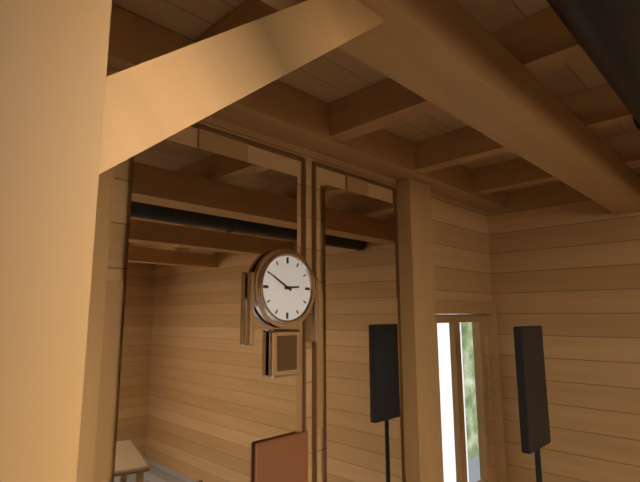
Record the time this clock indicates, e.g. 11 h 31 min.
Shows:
2 h 50 min
